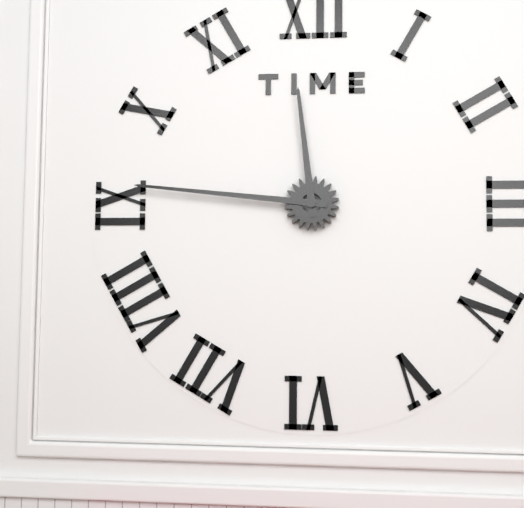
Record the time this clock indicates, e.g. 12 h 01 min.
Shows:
11 h 46 min
